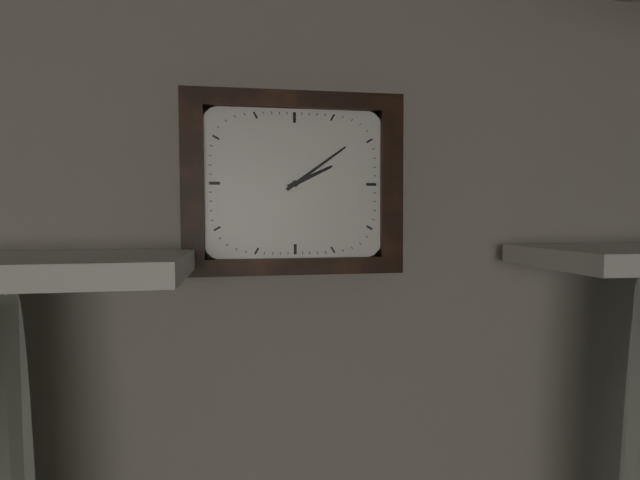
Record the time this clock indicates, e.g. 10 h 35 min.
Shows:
2 h 09 min
